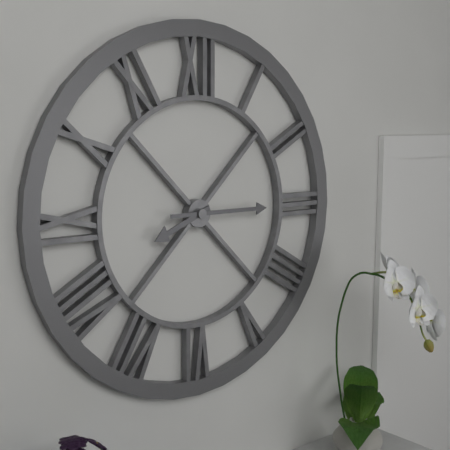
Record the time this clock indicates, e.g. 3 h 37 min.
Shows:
8 h 15 min
